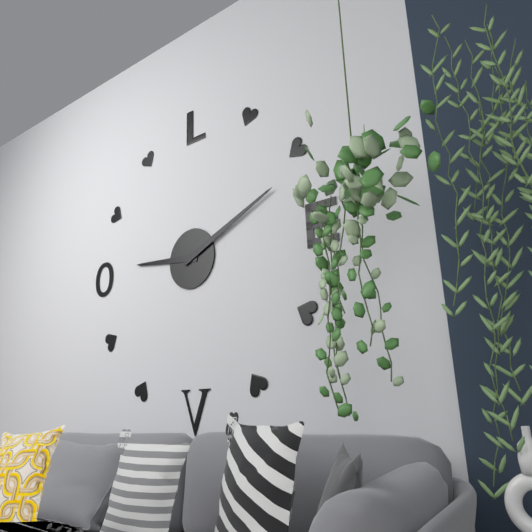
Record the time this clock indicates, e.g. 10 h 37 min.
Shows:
9 h 11 min
